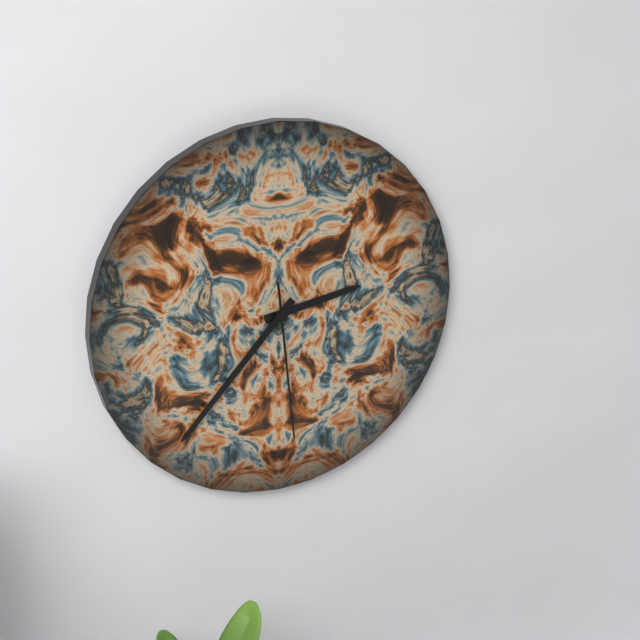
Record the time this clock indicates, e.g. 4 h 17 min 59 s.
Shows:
2 h 37 min 29 s
